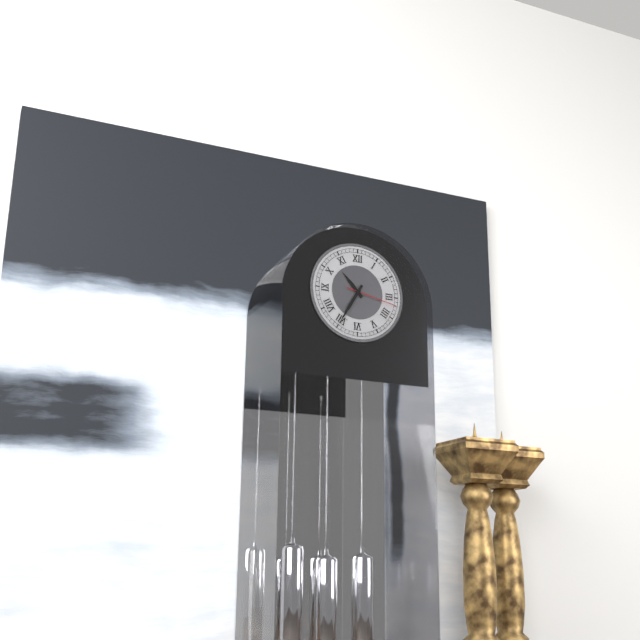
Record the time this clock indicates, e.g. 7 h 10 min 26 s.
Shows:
10 h 35 min 17 s
